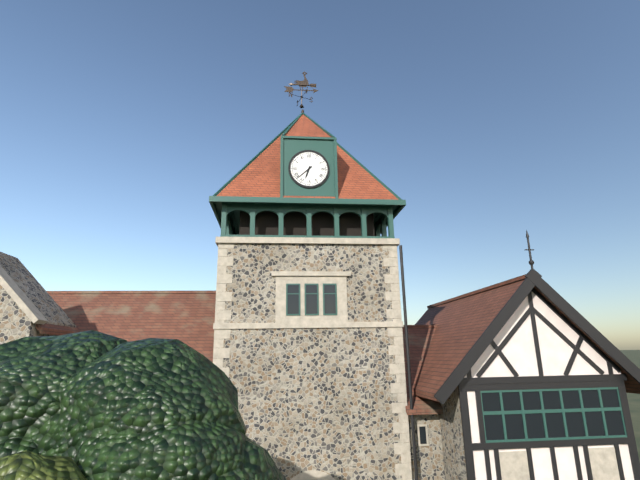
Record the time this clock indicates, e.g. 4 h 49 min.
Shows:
6 h 38 min
